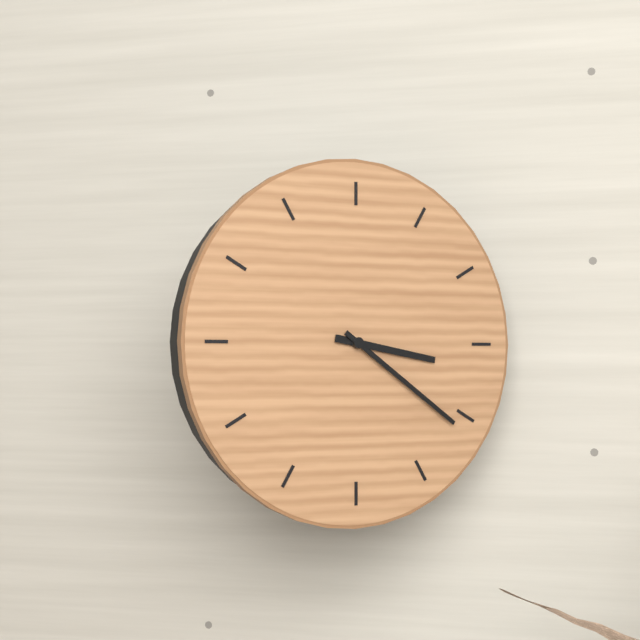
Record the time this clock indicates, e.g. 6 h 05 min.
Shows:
3 h 21 min
